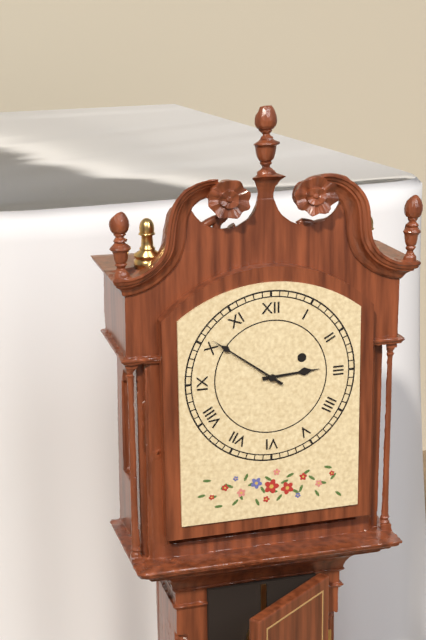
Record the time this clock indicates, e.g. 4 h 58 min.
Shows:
2 h 51 min
